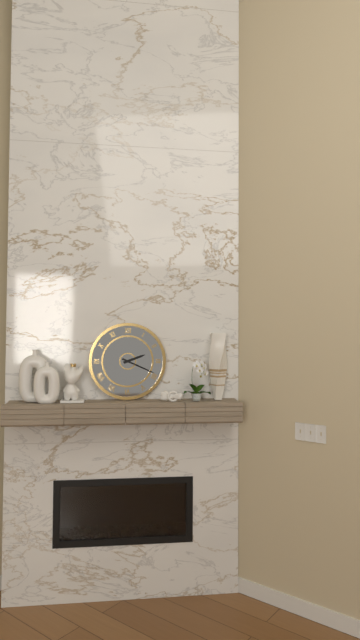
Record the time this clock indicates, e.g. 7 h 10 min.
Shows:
2 h 19 min
